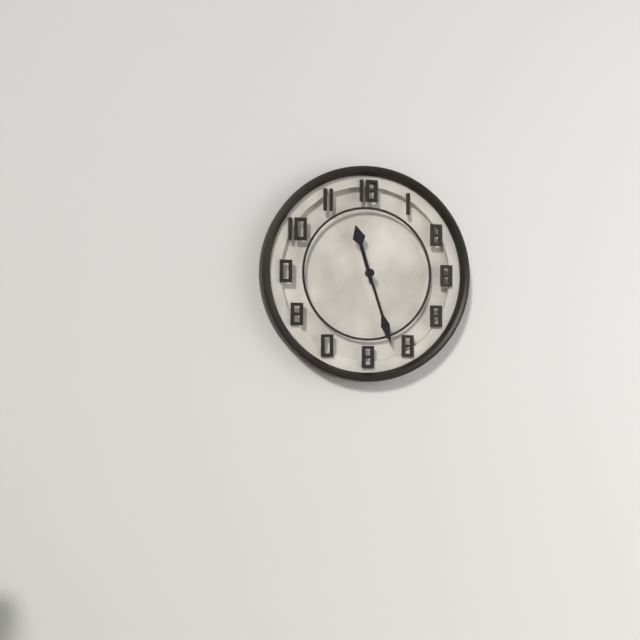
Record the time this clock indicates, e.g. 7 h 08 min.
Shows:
11 h 27 min
